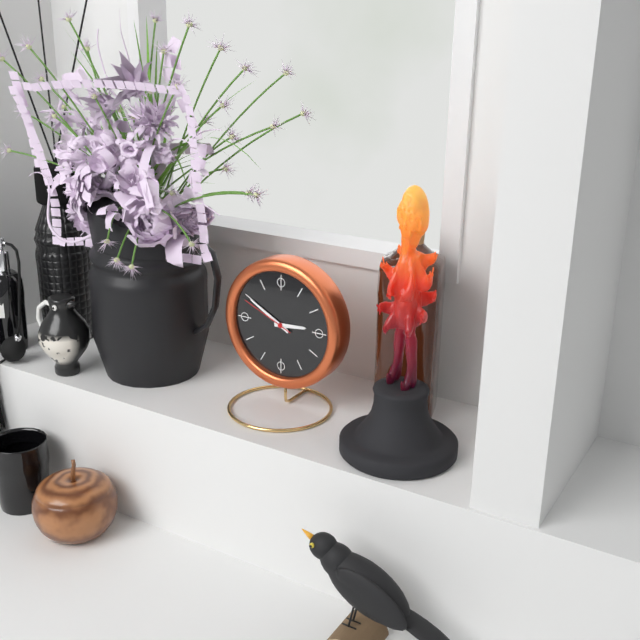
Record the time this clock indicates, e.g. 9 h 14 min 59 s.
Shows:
2 h 50 min 49 s
